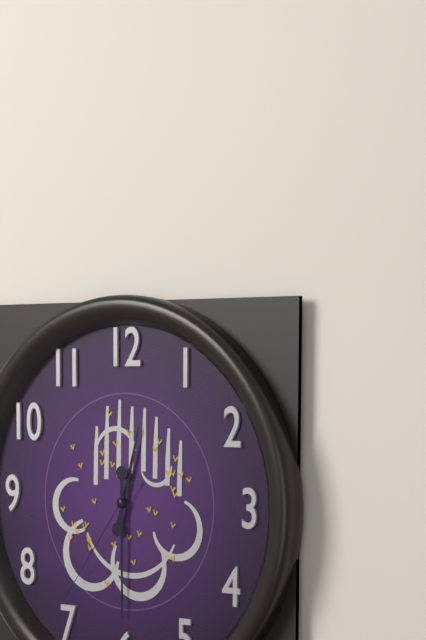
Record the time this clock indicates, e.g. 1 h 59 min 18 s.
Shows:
12 h 30 min 36 s
